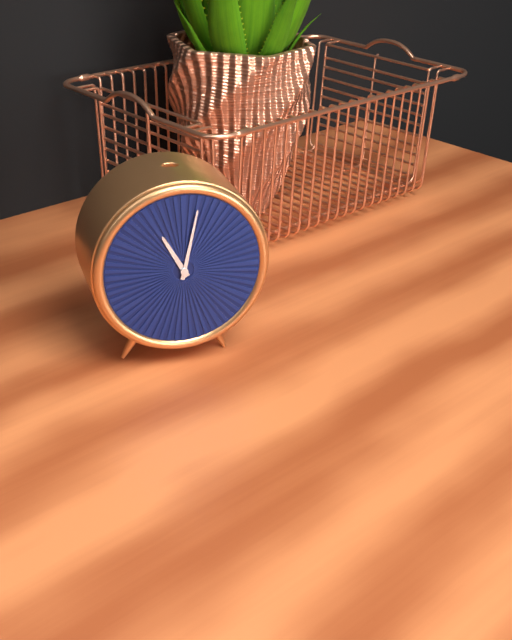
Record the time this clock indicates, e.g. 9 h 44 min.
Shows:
11 h 02 min
